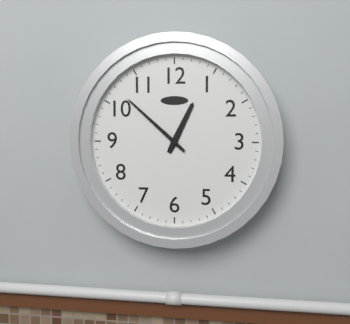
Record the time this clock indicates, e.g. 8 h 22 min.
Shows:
12 h 52 min
